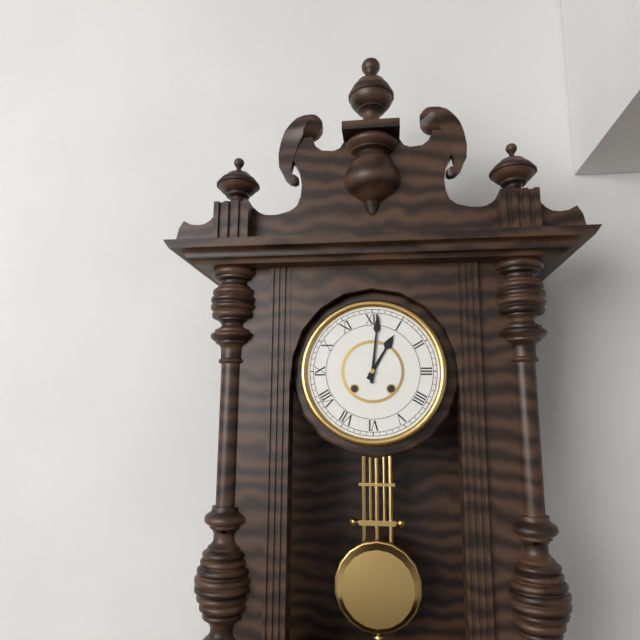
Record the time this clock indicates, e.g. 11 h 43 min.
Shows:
1 h 01 min
